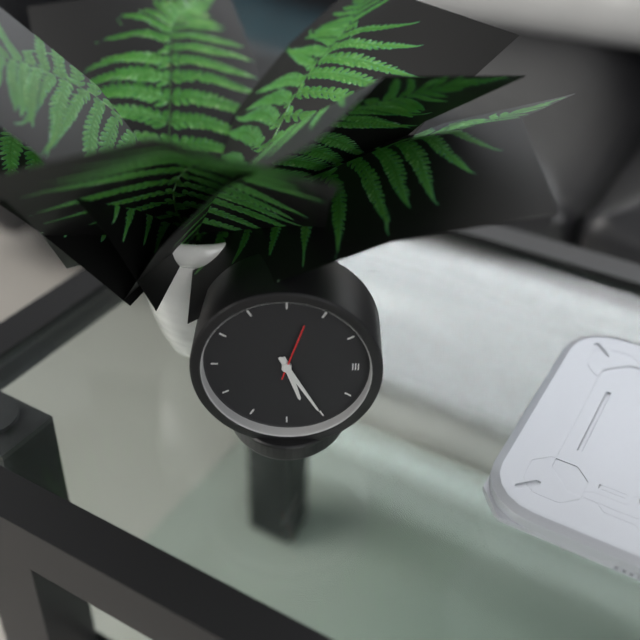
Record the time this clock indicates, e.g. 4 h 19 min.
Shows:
5 h 25 min
